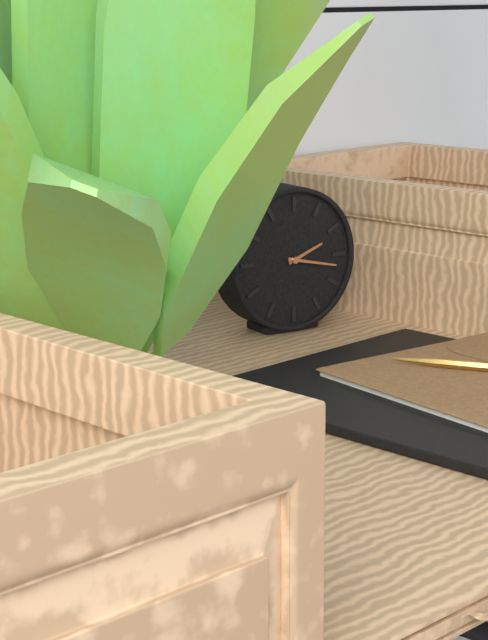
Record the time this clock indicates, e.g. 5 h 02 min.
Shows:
2 h 17 min
